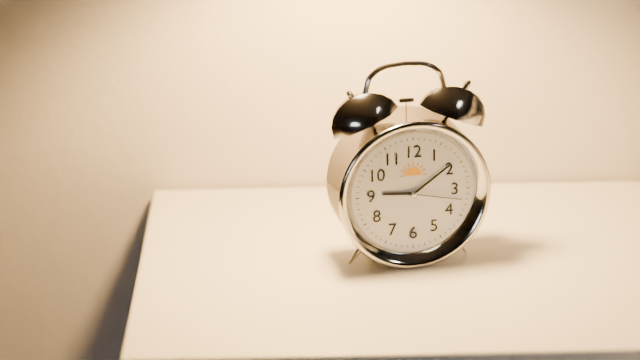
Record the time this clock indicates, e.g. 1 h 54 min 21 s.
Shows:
9 h 09 min 17 s
